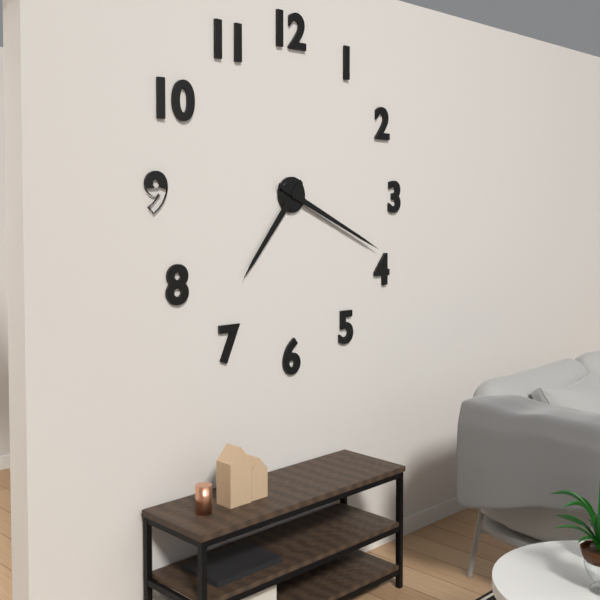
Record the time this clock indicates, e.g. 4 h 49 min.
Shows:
7 h 19 min
